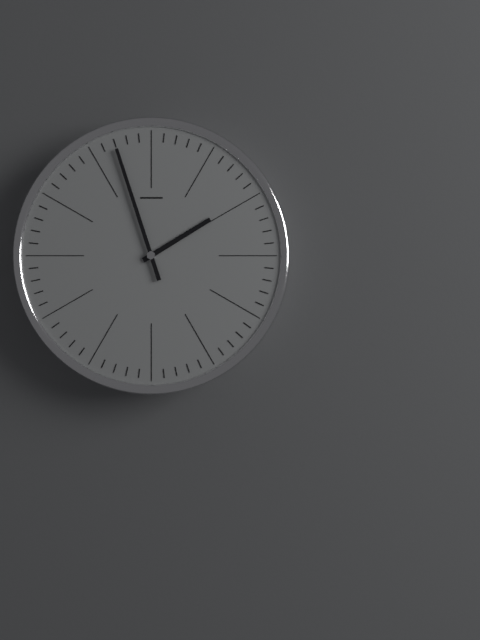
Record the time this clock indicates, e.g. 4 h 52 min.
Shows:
1 h 57 min
